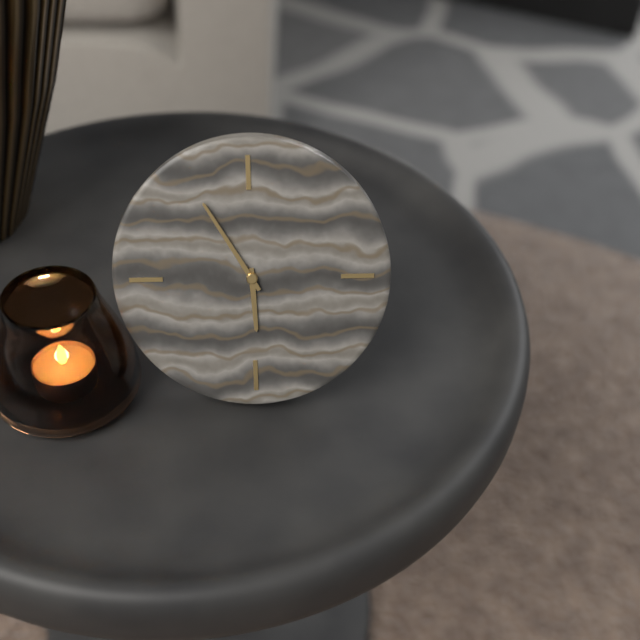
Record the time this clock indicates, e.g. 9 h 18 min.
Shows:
5 h 55 min
